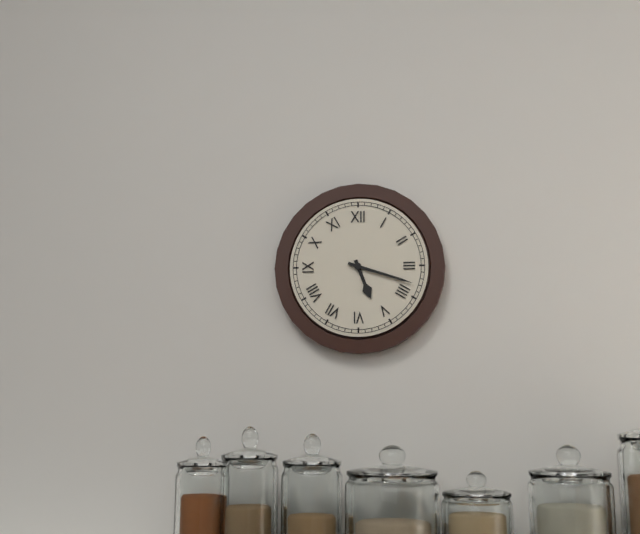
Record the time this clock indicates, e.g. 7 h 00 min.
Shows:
5 h 18 min
